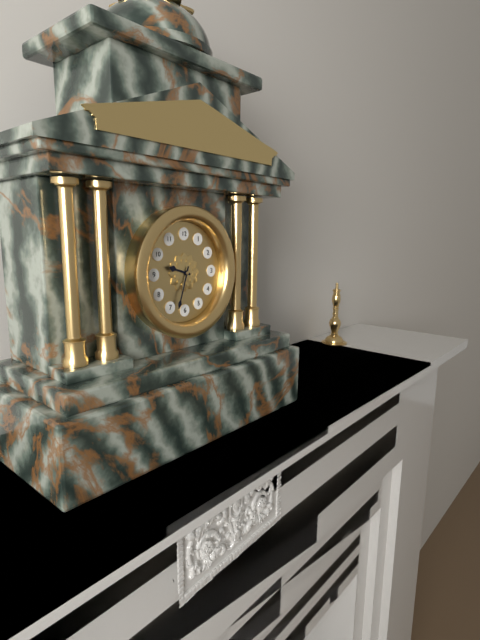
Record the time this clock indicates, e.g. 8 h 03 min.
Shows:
9 h 33 min
